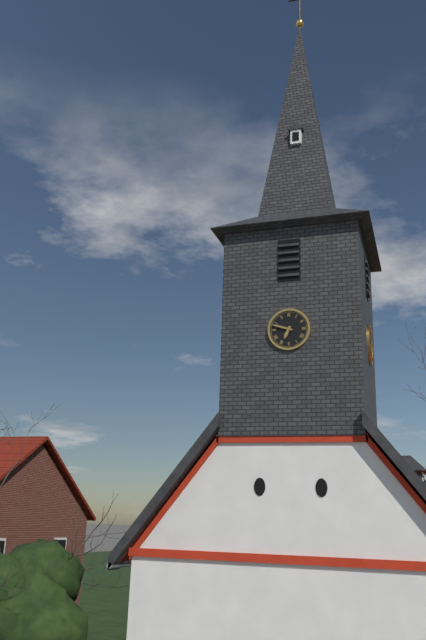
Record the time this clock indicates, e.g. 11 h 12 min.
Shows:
6 h 48 min
